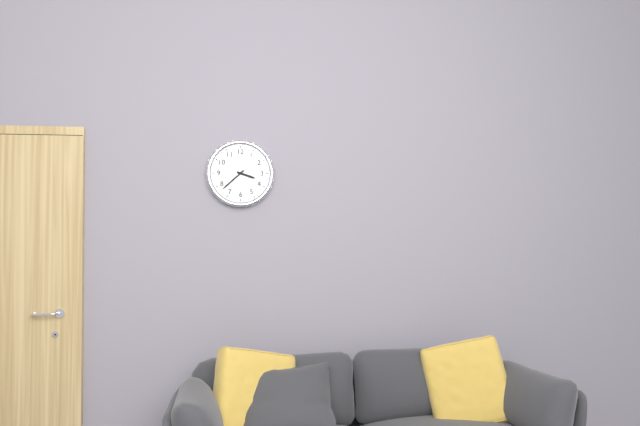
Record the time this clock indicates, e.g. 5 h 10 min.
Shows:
3 h 38 min
